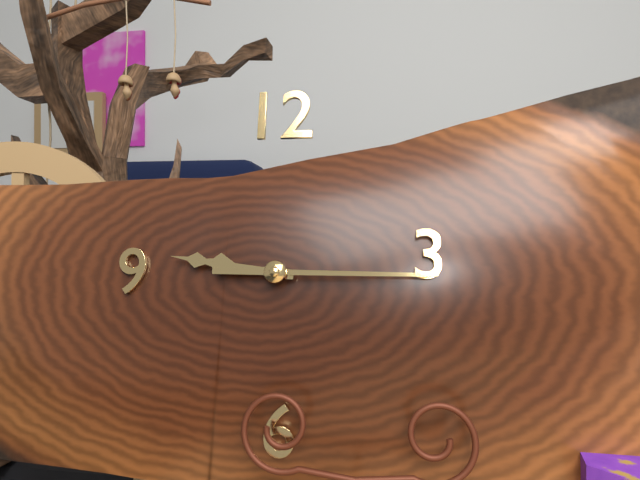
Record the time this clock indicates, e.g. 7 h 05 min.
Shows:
9 h 15 min
